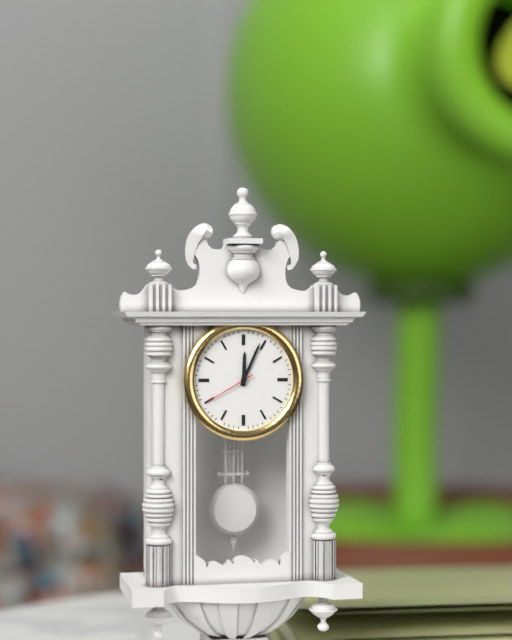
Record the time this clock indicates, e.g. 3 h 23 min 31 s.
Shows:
12 h 04 min 40 s
